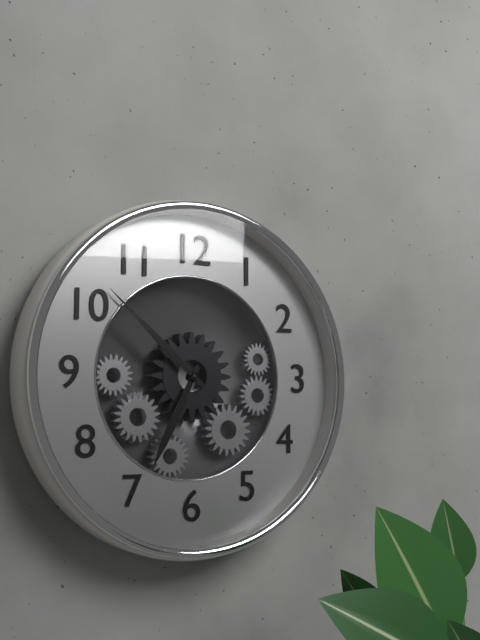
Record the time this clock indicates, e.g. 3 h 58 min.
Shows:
6 h 52 min
